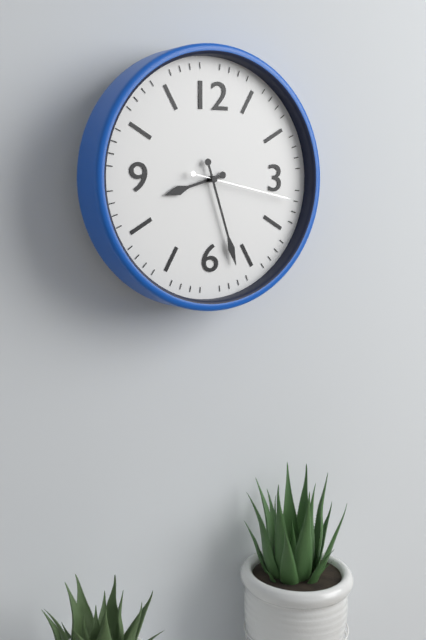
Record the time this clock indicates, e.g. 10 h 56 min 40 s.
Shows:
8 h 27 min 17 s
